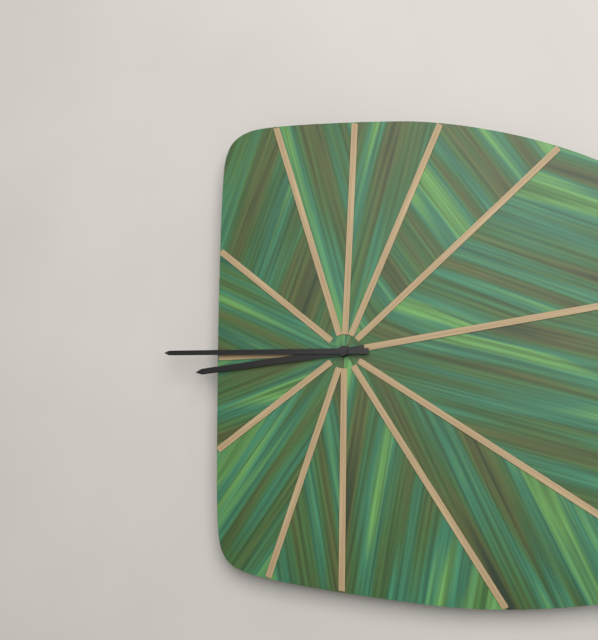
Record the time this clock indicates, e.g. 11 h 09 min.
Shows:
8 h 45 min
